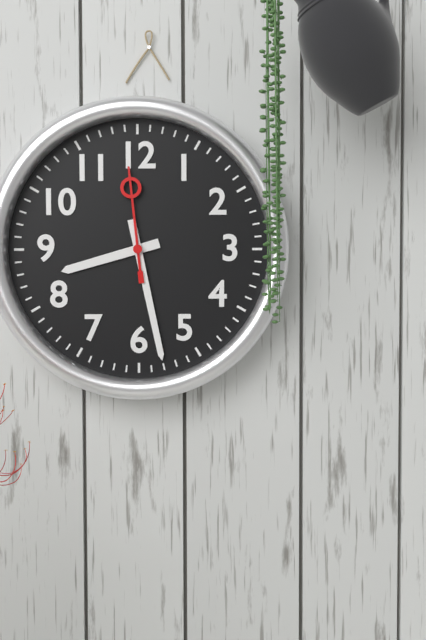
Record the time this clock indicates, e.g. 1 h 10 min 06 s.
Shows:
8 h 28 min 59 s
